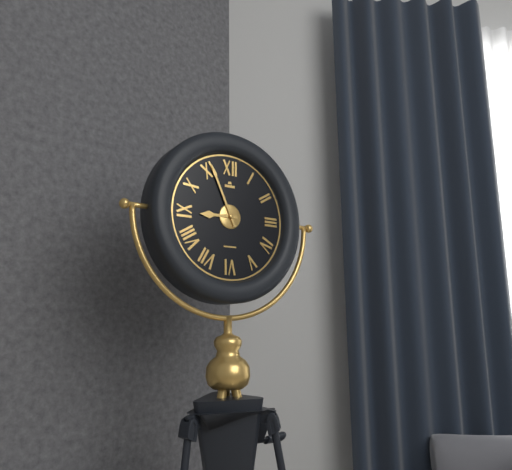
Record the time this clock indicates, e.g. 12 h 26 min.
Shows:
8 h 56 min
